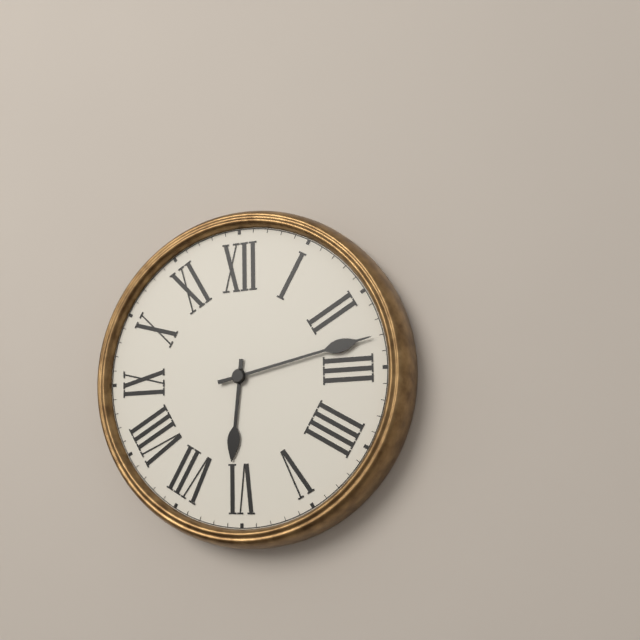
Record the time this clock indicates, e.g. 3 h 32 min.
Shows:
6 h 13 min
